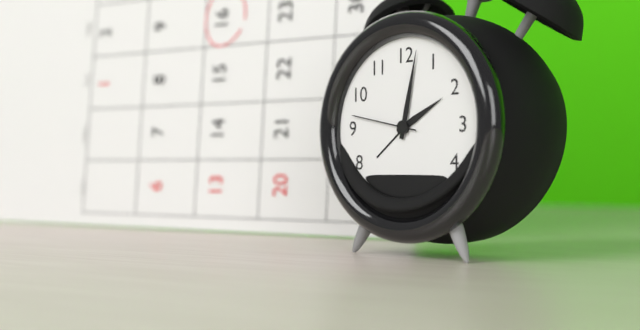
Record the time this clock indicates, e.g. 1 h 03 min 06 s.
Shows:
2 h 02 min 47 s
